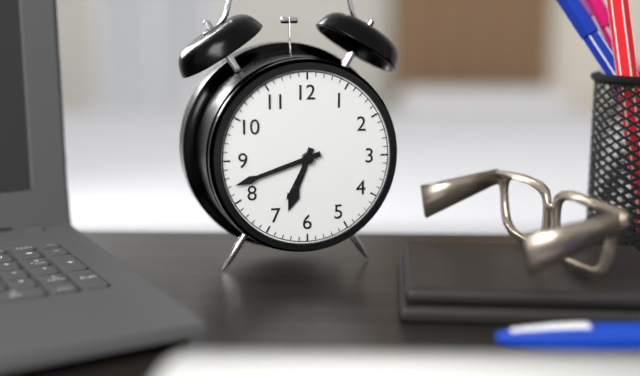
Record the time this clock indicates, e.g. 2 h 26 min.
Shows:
6 h 42 min
